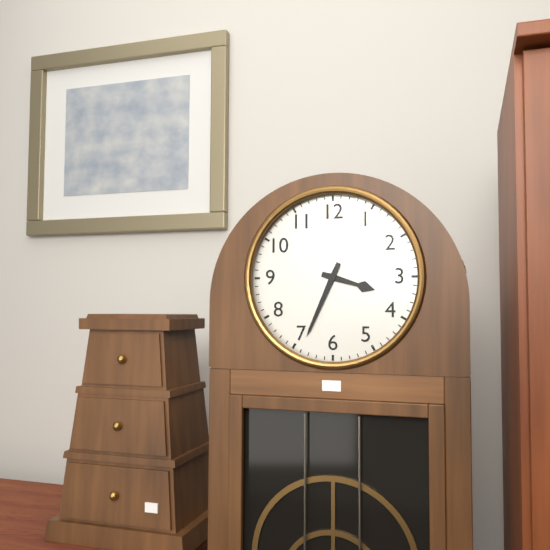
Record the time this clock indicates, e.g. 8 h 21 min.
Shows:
3 h 34 min
